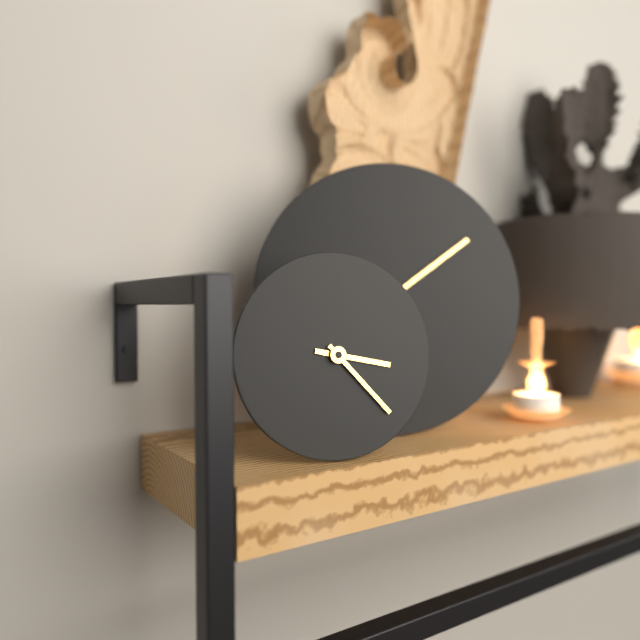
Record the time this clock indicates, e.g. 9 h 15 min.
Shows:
3 h 23 min
